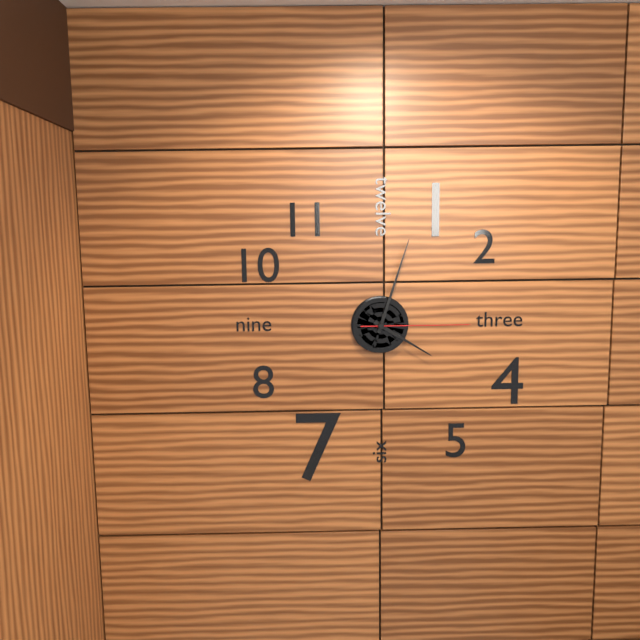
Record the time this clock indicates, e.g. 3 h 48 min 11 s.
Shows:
4 h 03 min 15 s
